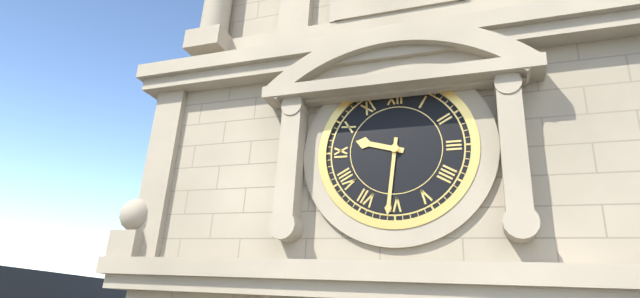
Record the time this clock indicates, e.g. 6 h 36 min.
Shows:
9 h 31 min
